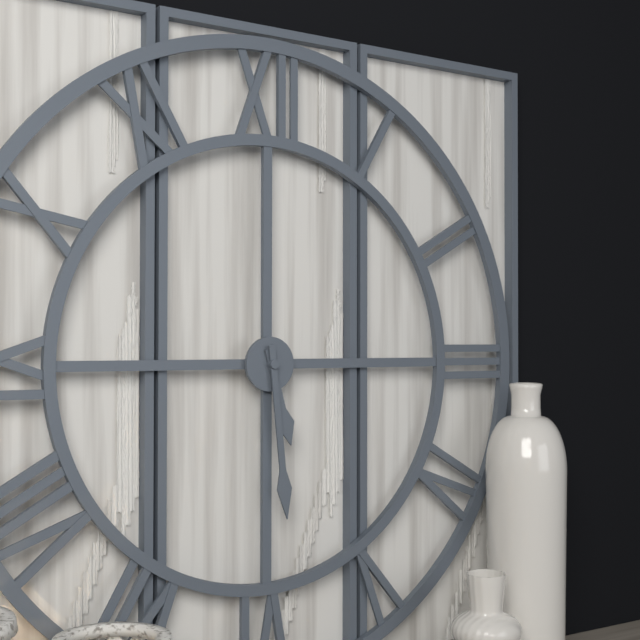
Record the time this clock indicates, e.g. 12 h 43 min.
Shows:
5 h 29 min
